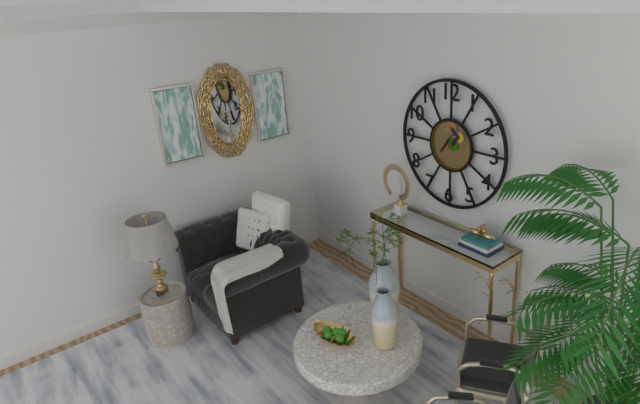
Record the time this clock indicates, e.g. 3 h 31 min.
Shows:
1 h 06 min
